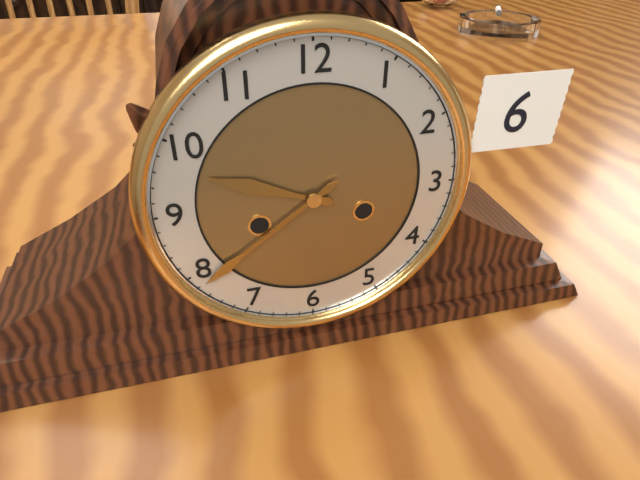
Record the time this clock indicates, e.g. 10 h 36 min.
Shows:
9 h 39 min
